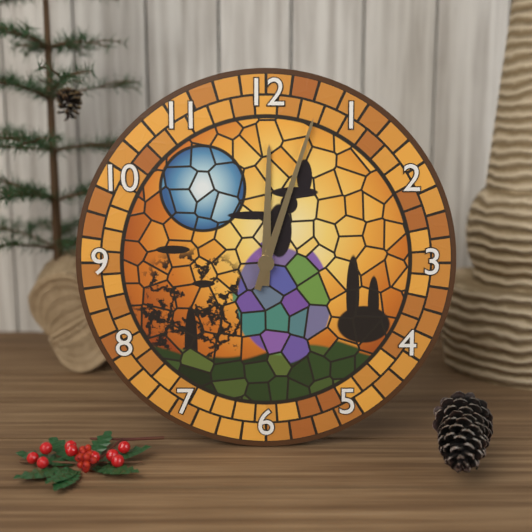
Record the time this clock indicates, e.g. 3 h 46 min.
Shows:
12 h 03 min
